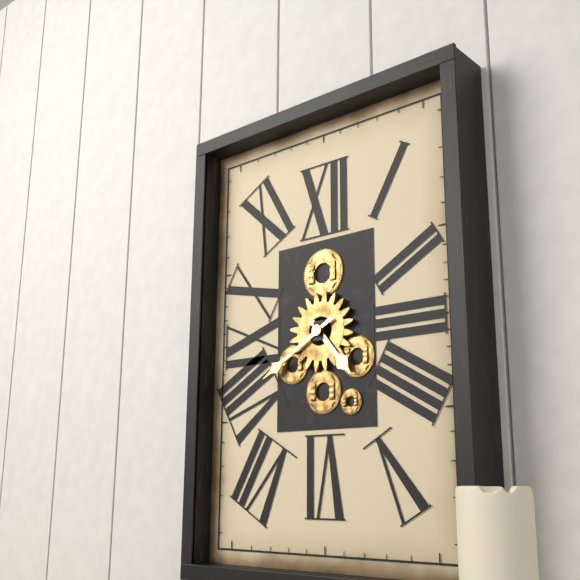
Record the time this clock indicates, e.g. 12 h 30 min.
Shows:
4 h 40 min
